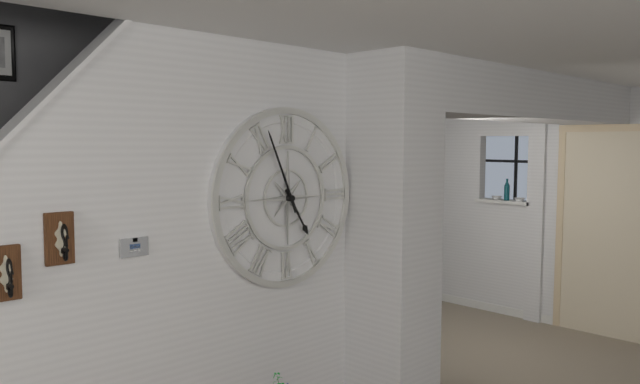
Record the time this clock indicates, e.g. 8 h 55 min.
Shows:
4 h 56 min
